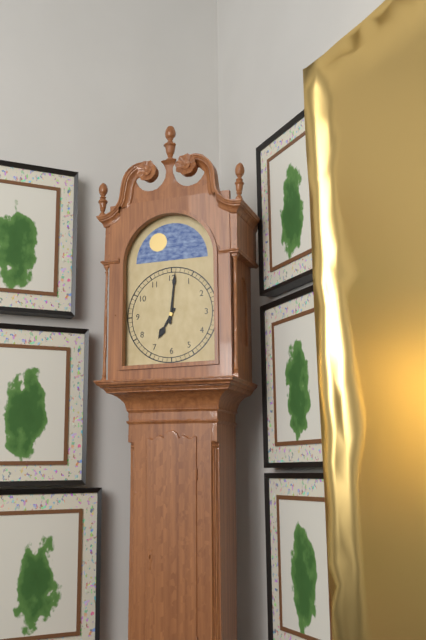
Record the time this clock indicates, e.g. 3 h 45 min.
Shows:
7 h 01 min
